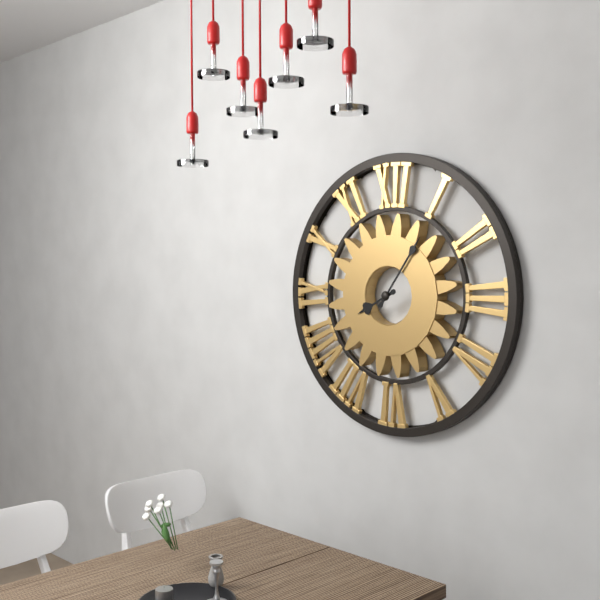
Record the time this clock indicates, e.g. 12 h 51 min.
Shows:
8 h 06 min
